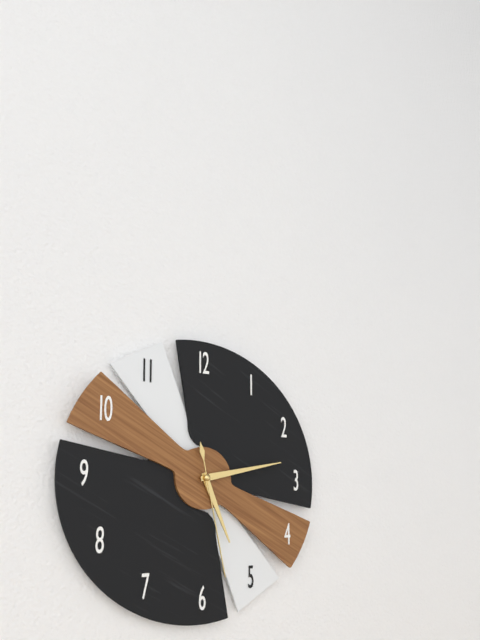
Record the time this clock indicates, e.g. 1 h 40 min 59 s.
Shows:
5 h 13 min 28 s
